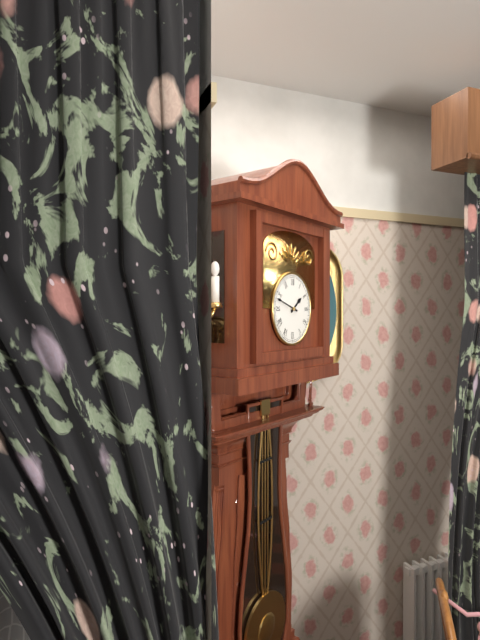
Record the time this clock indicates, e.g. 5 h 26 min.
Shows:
1 h 48 min
